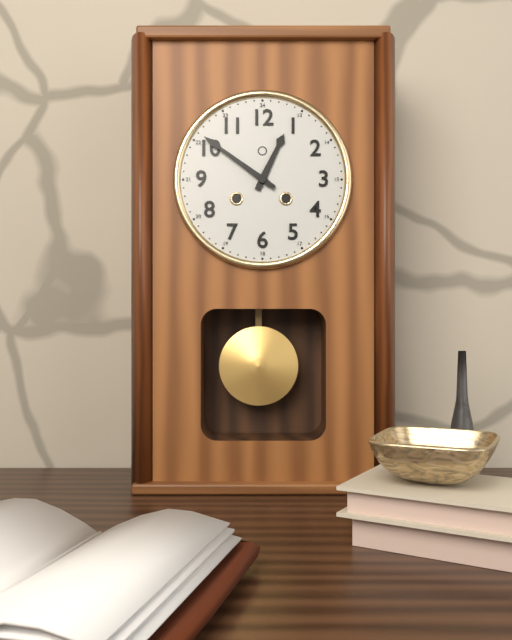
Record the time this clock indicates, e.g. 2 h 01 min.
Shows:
12 h 51 min
